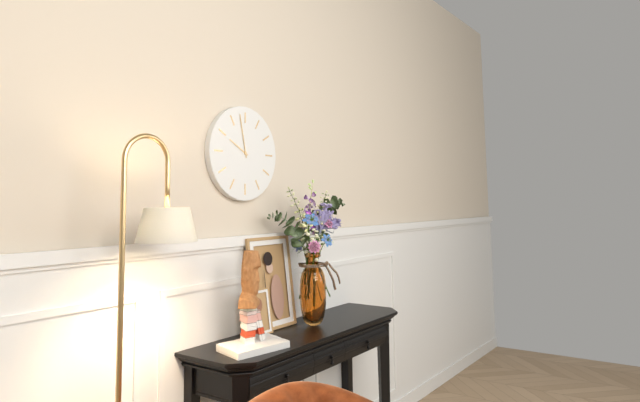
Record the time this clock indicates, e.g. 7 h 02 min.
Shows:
9 h 58 min
